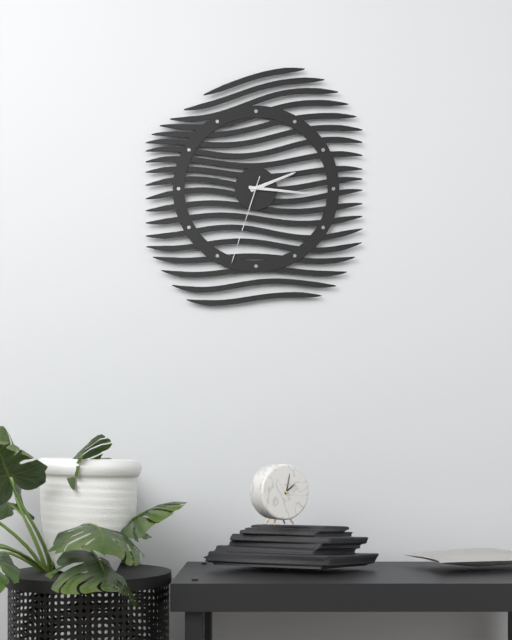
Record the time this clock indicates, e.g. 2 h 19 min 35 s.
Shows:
2 h 16 min 33 s
